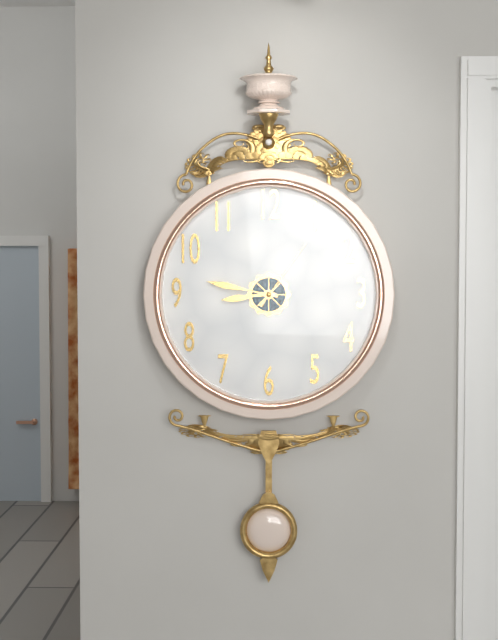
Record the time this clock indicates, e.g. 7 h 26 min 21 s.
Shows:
8 h 47 min 06 s
